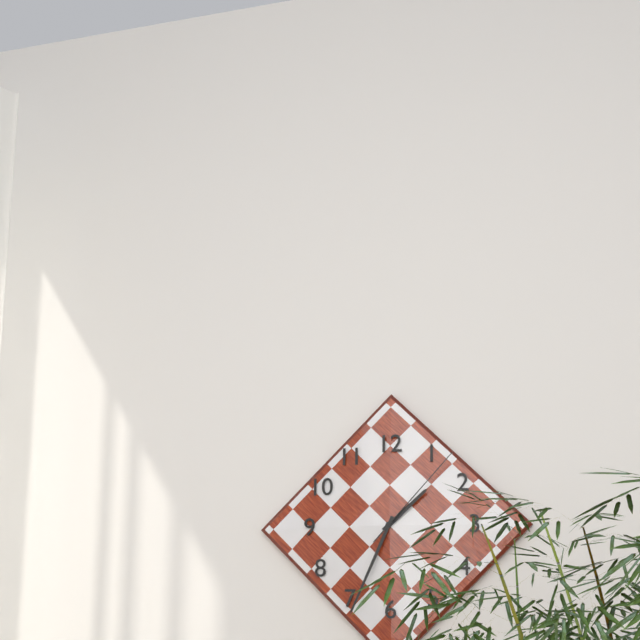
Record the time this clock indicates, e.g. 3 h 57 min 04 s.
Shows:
1 h 34 min 07 s
